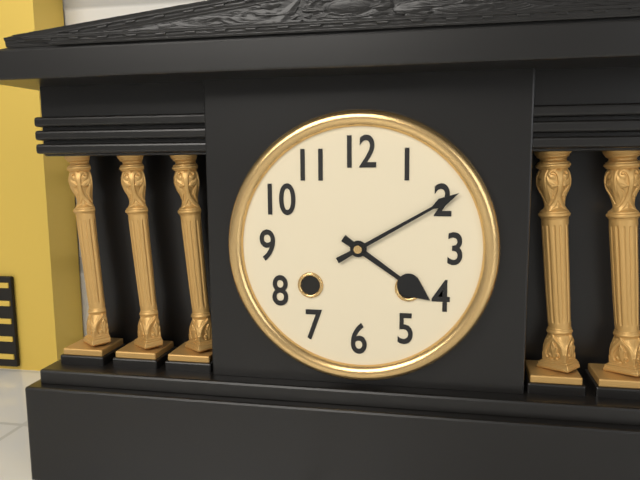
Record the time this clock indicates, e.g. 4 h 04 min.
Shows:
4 h 10 min
